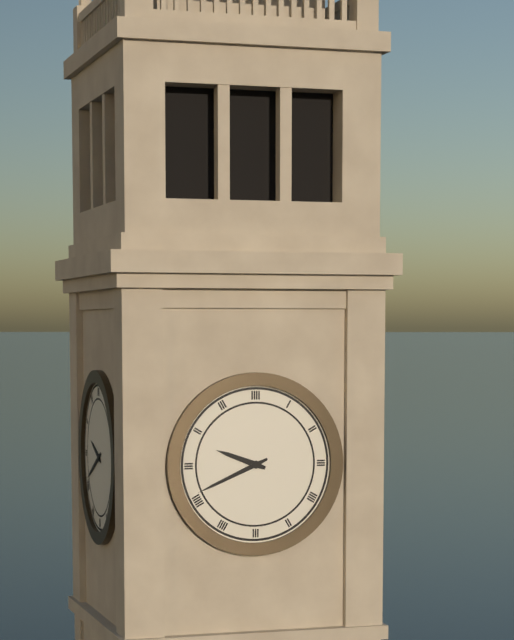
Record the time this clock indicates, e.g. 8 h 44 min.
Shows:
9 h 41 min
